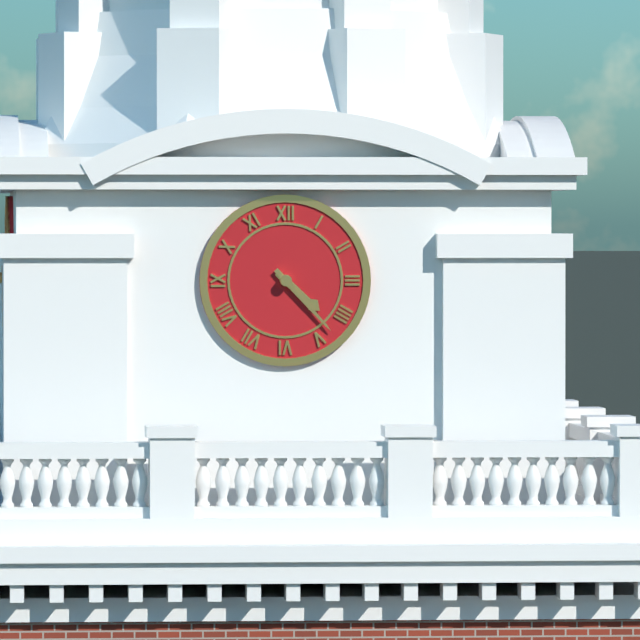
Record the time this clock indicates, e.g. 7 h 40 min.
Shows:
4 h 23 min
